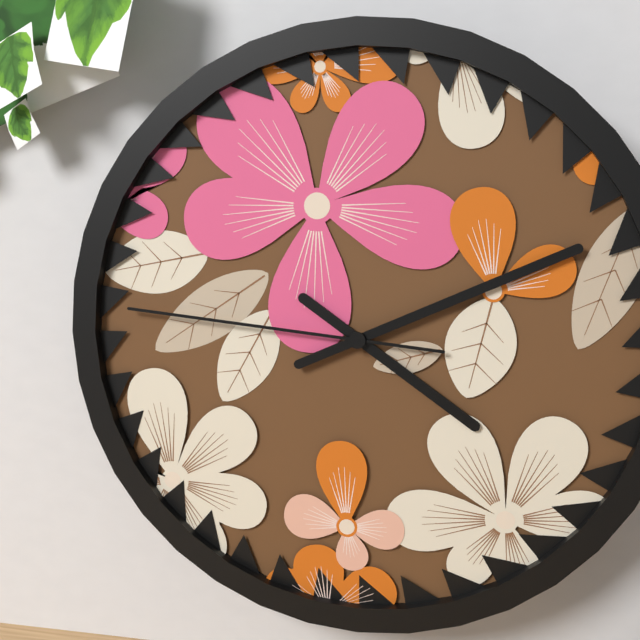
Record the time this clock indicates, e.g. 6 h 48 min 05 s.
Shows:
4 h 11 min 46 s
